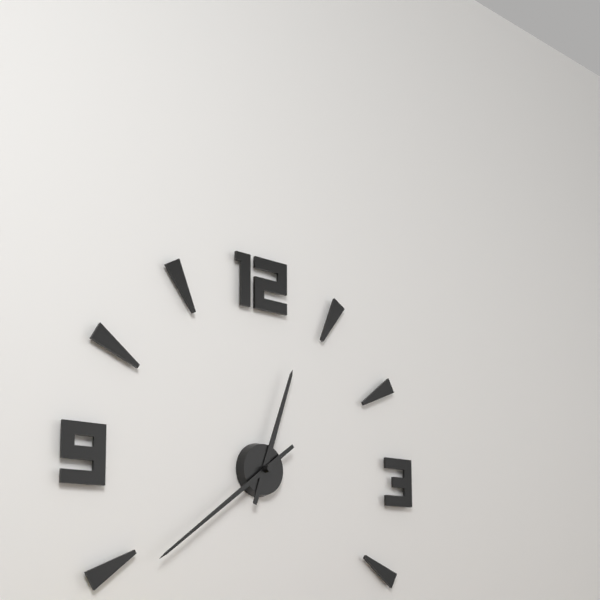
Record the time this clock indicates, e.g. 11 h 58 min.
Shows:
12 h 39 min
